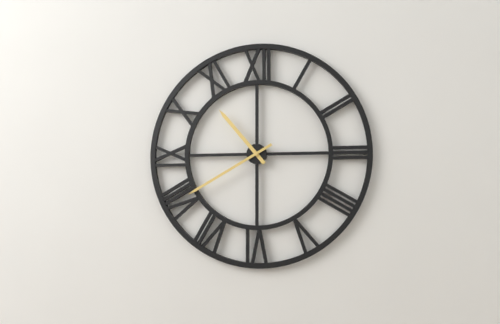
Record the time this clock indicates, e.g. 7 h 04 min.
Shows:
10 h 40 min
